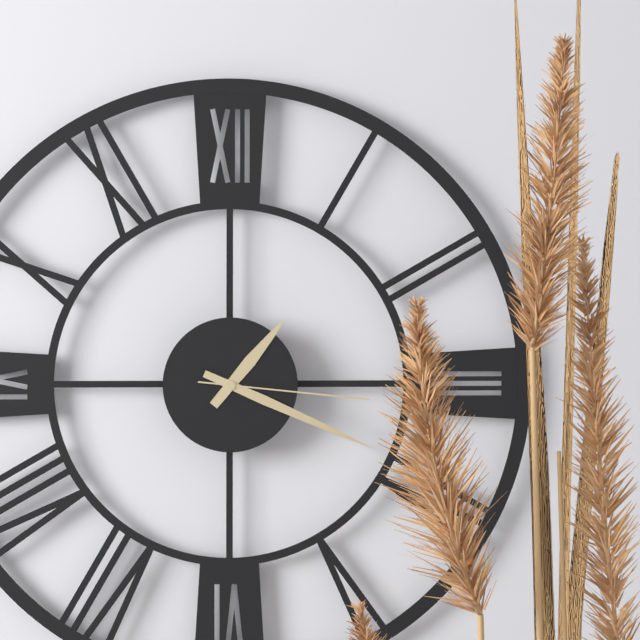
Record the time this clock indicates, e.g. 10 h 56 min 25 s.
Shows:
1 h 19 min 16 s
